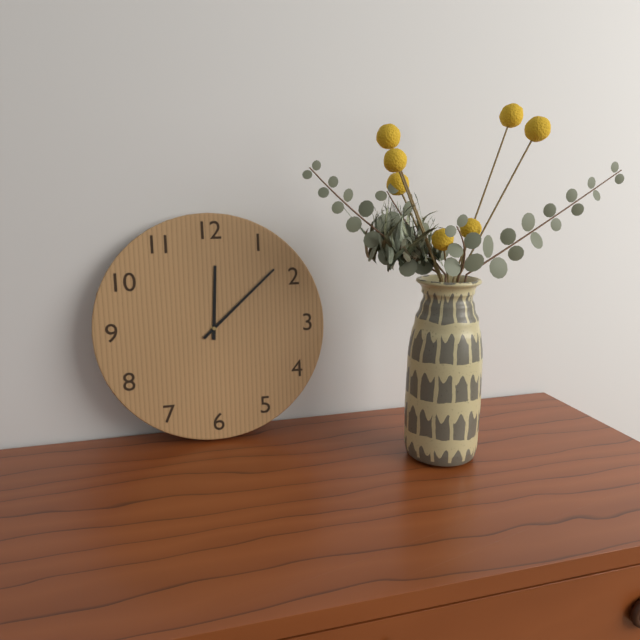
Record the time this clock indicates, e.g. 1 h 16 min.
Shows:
12 h 08 min
